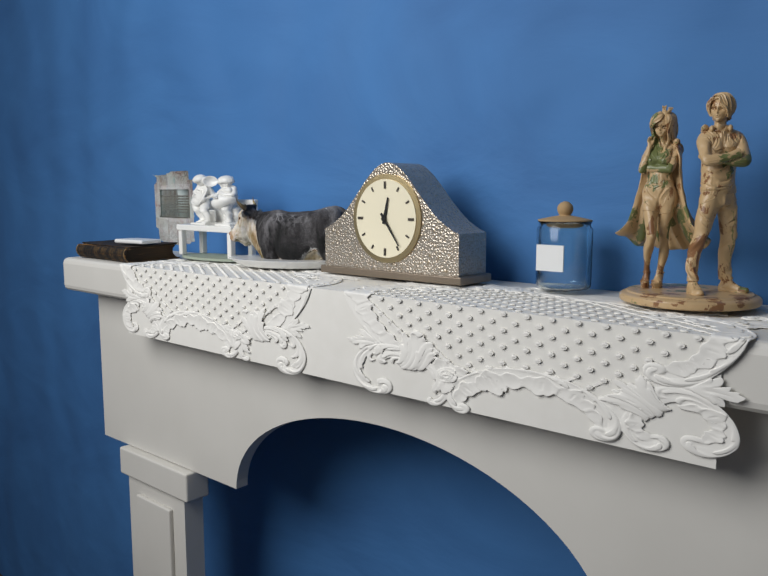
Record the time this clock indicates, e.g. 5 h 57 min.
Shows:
12 h 24 min
